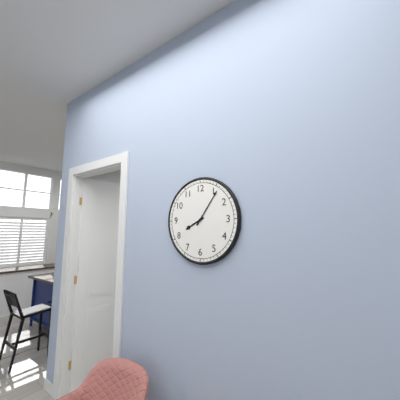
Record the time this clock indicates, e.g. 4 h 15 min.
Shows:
8 h 06 min
